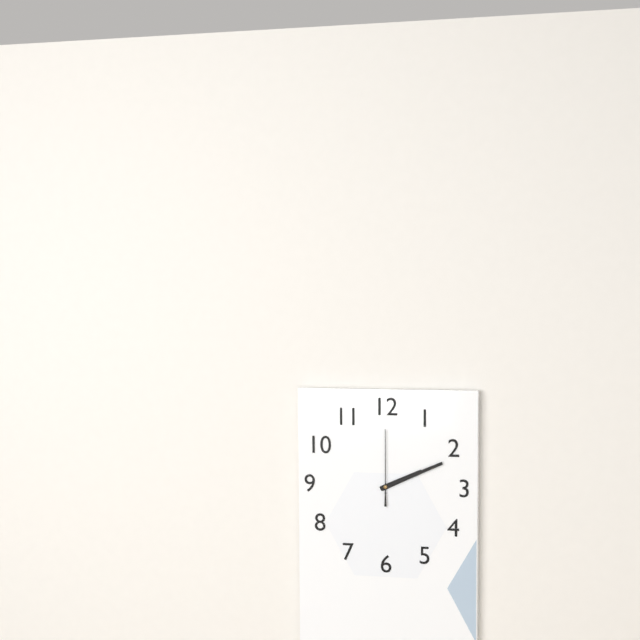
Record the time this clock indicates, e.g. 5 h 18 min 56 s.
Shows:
2 h 11 min 00 s
